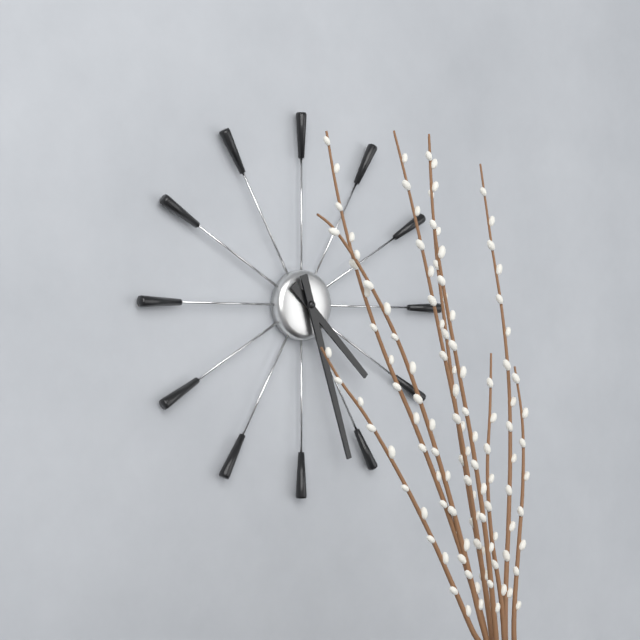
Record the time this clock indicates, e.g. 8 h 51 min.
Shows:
4 h 27 min
